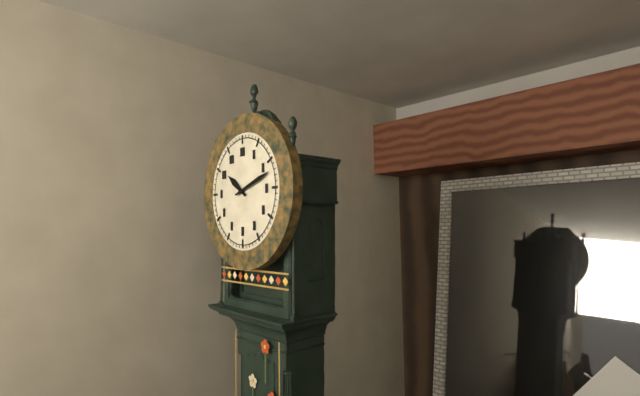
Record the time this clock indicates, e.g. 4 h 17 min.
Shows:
10 h 12 min
